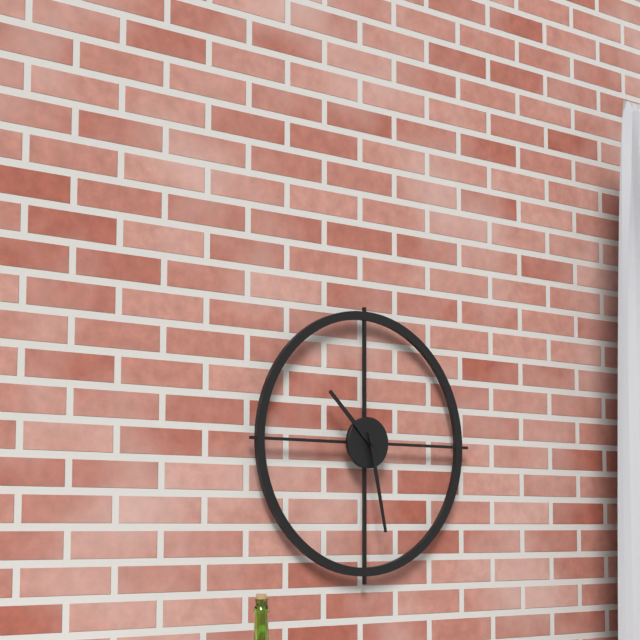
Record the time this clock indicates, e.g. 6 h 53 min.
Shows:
10 h 28 min
